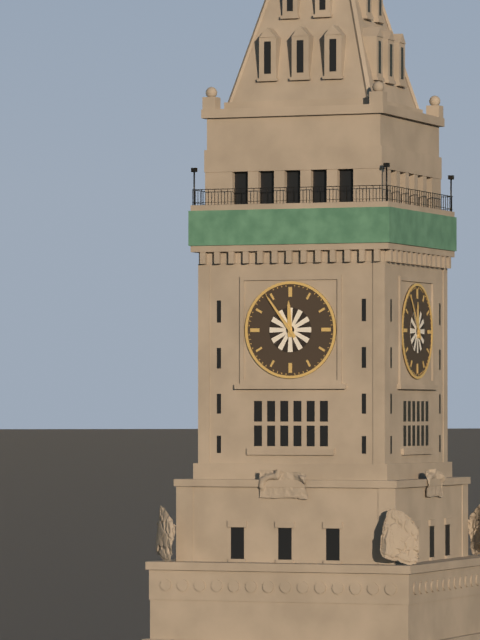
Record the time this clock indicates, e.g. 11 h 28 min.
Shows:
11 h 54 min
